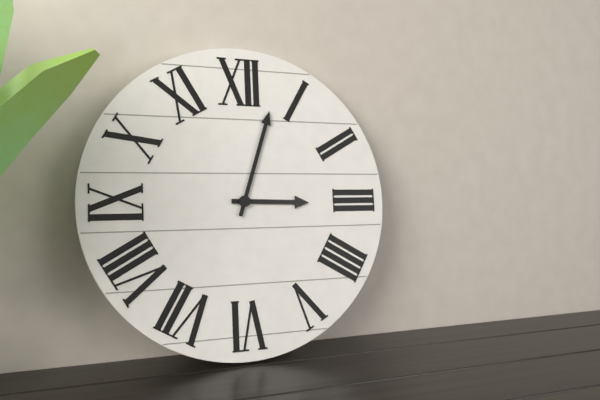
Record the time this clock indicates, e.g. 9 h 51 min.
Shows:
3 h 03 min
